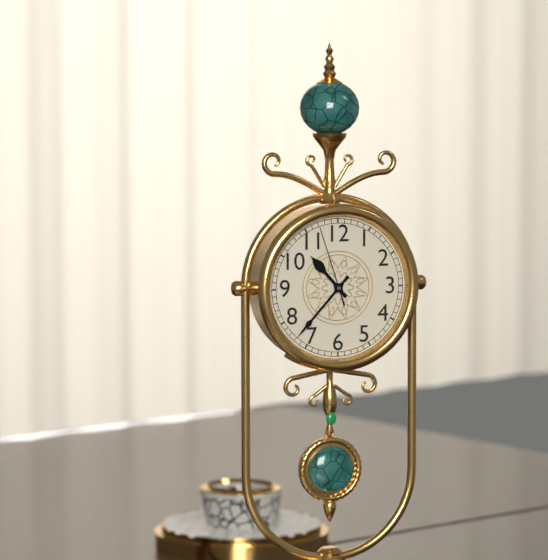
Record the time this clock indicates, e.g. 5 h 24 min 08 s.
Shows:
10 h 37 min 57 s
